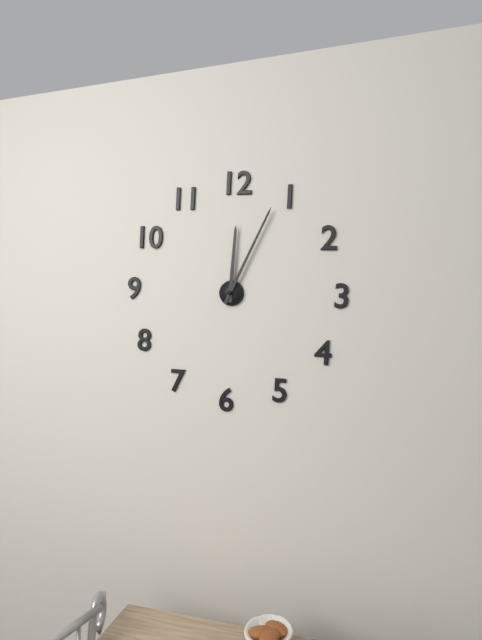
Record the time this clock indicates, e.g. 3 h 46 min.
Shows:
12 h 04 min
